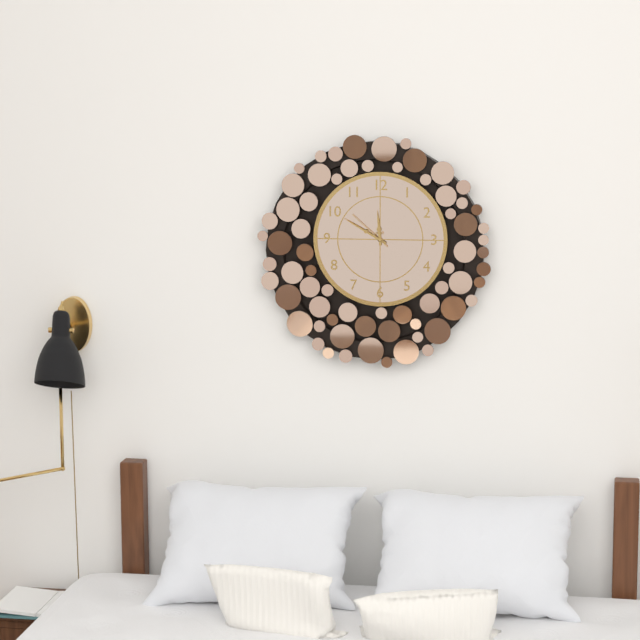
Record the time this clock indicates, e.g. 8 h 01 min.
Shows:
11 h 50 min
